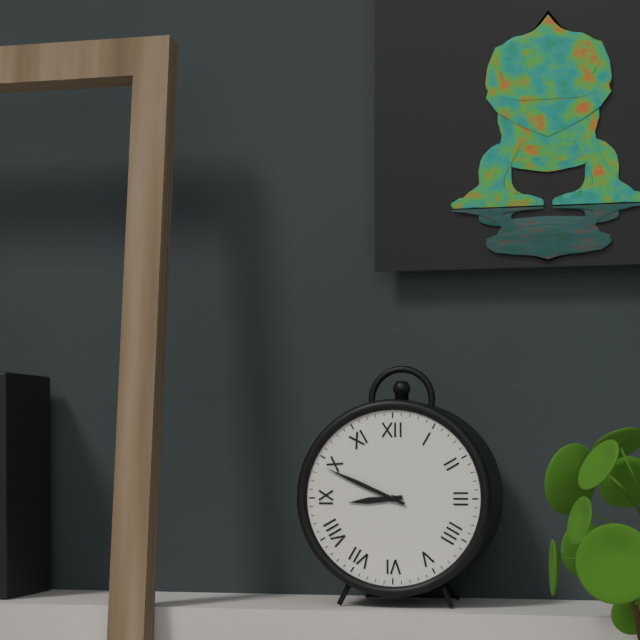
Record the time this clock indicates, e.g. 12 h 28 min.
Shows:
8 h 49 min
